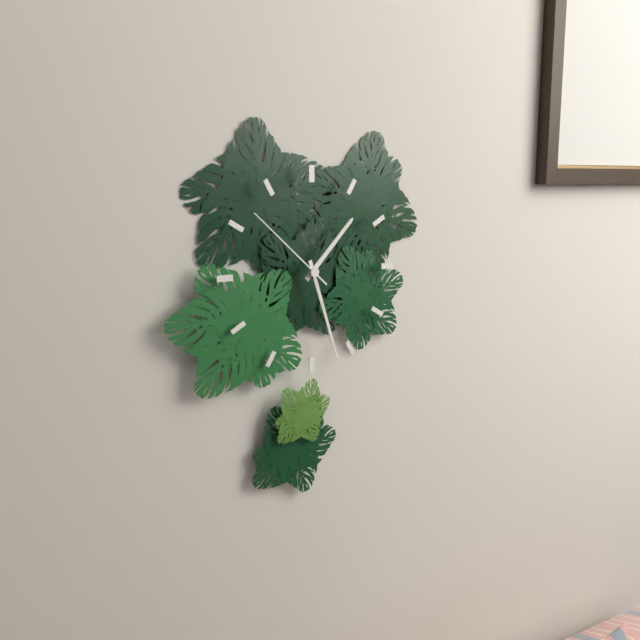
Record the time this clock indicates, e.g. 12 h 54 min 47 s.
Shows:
1 h 27 min 52 s
